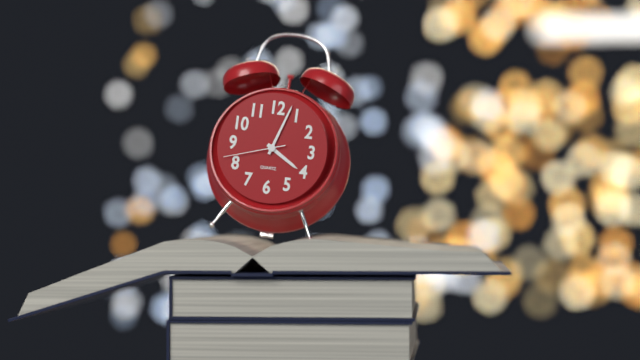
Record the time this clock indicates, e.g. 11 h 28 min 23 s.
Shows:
4 h 03 min 42 s
